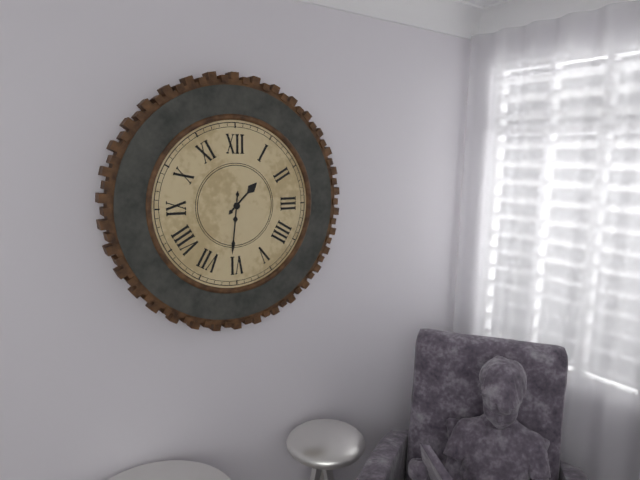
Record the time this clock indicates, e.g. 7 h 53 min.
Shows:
1 h 31 min
